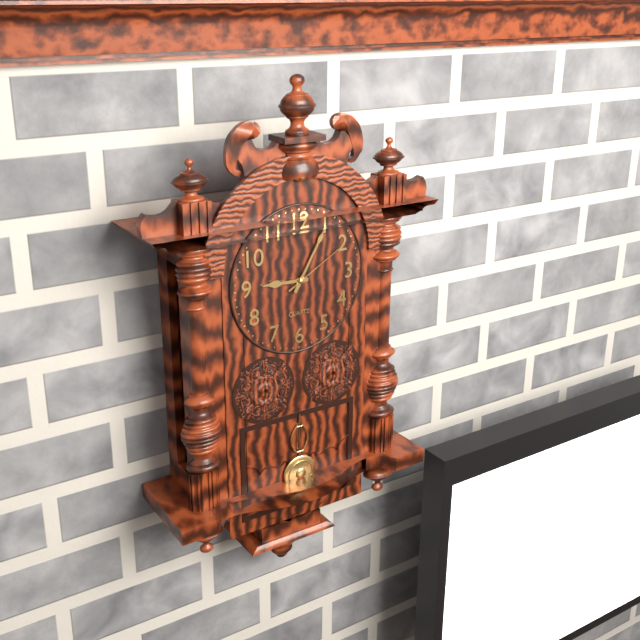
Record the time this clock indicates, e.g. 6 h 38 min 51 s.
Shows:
9 h 05 min 10 s
